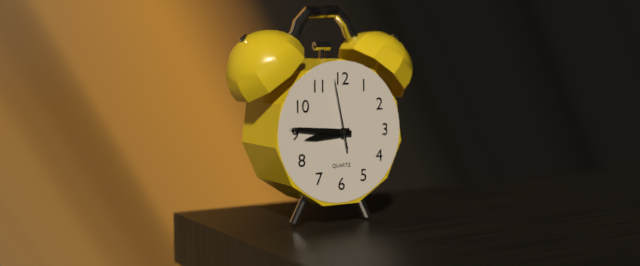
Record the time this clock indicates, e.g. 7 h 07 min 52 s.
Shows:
8 h 46 min 58 s
